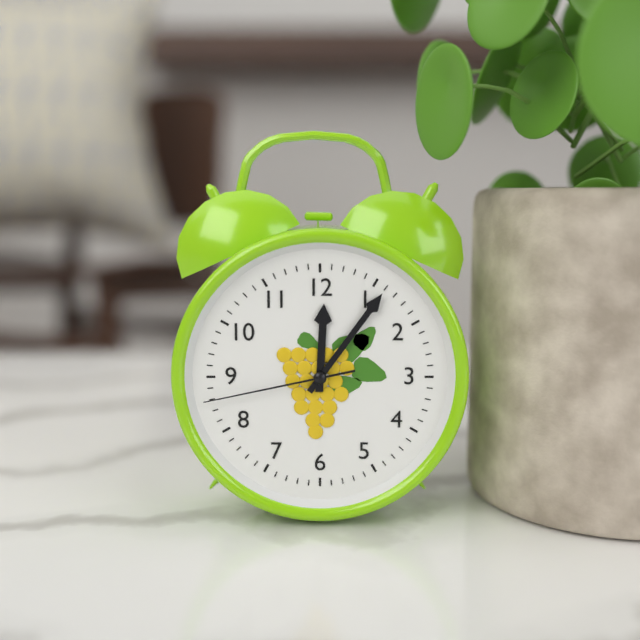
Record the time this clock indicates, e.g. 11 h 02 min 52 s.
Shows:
12 h 06 min 43 s
